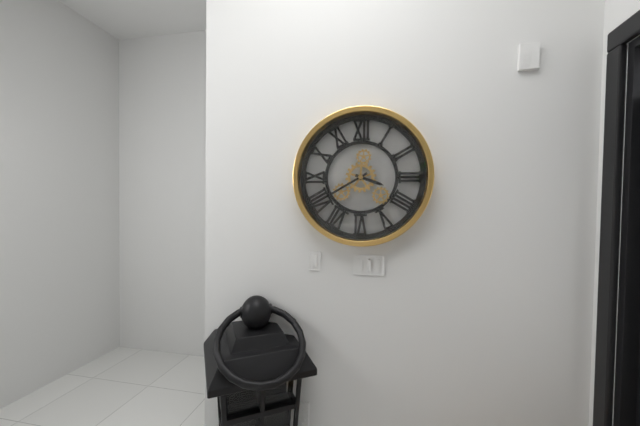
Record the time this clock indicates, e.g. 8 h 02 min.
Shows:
3 h 40 min
